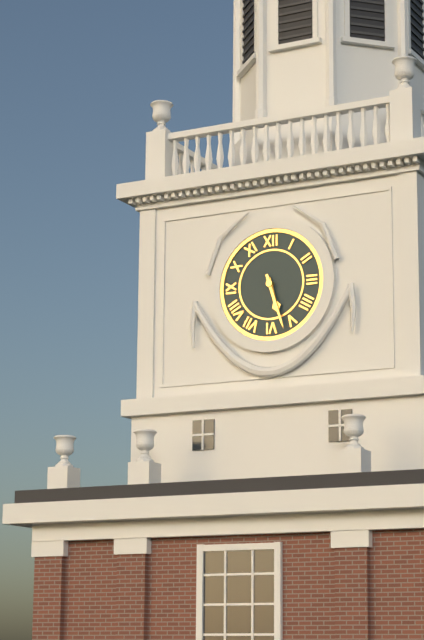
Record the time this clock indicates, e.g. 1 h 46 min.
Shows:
5 h 27 min
